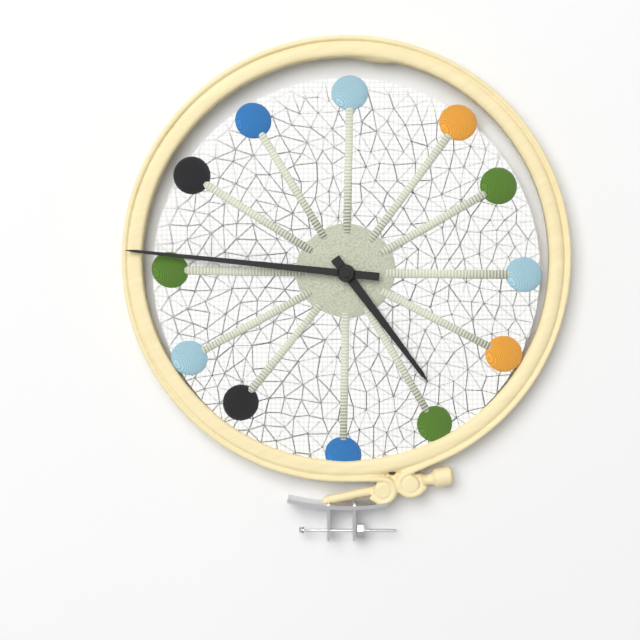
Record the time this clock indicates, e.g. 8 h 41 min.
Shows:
4 h 46 min
